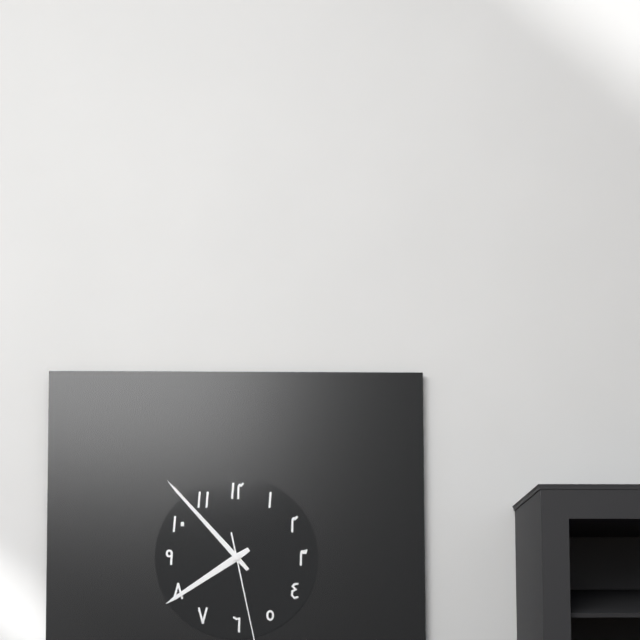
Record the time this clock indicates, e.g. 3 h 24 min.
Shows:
7 h 53 min
